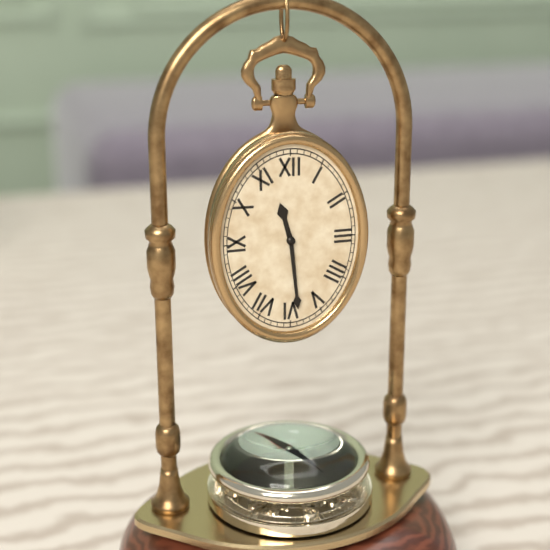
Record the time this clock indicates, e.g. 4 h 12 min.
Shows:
11 h 29 min
